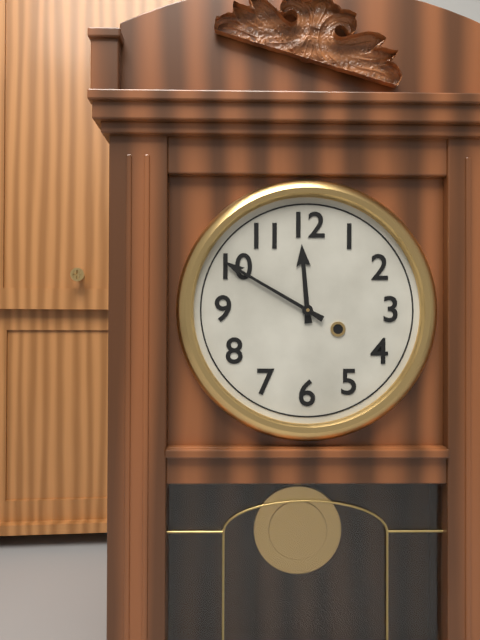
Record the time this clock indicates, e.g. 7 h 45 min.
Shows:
11 h 50 min
